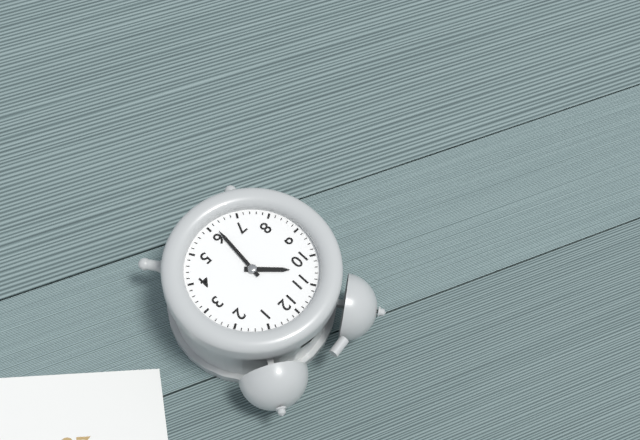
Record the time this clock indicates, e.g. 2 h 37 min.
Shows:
10 h 31 min
